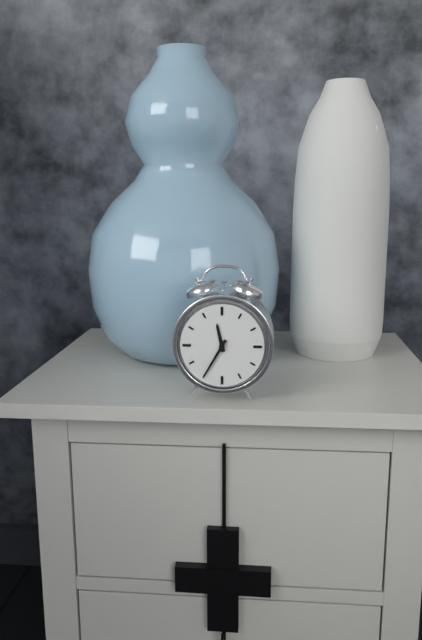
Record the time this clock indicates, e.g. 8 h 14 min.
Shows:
11 h 35 min
